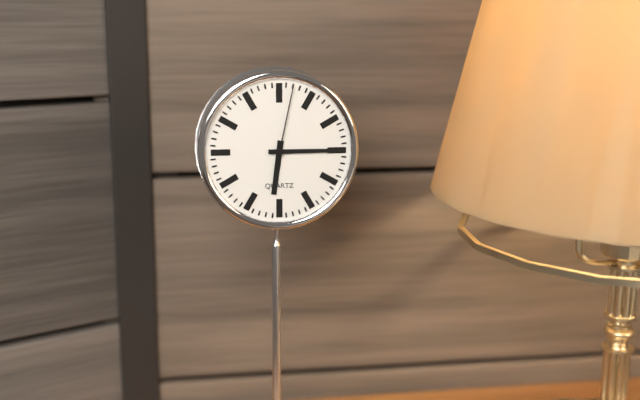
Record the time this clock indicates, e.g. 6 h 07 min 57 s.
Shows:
6 h 15 min 02 s
